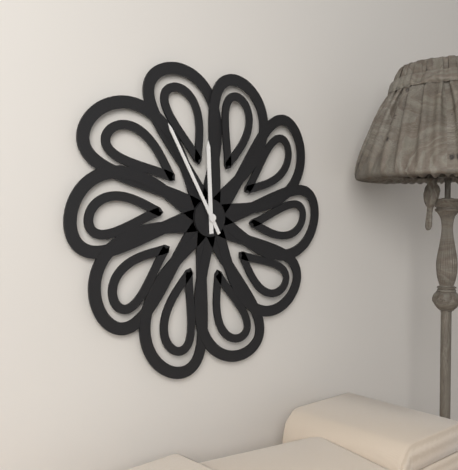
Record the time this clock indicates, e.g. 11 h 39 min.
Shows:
11 h 55 min
